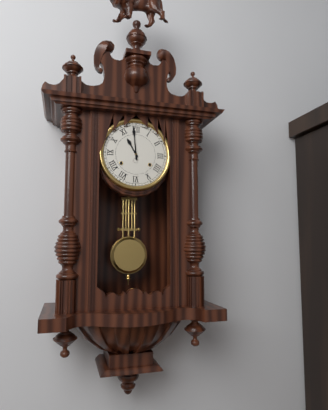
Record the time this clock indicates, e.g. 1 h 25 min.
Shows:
10 h 59 min
